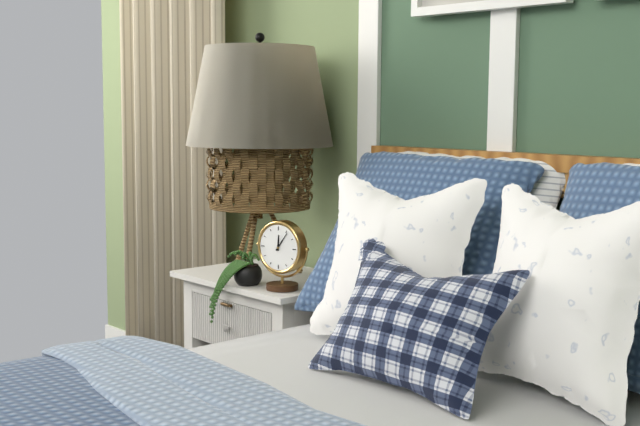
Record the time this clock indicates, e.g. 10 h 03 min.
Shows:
12 h 06 min
